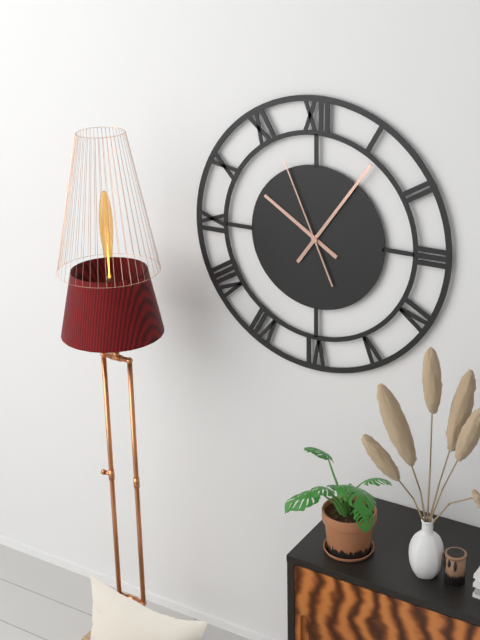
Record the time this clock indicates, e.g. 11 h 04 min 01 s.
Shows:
10 h 06 min 56 s
